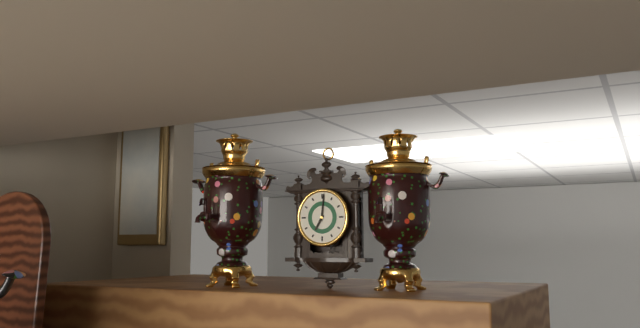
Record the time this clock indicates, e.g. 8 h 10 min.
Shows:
7 h 01 min
